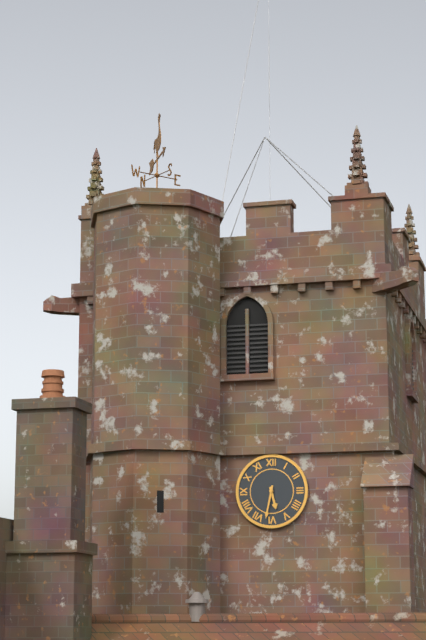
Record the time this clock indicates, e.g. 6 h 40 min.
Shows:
5 h 32 min
